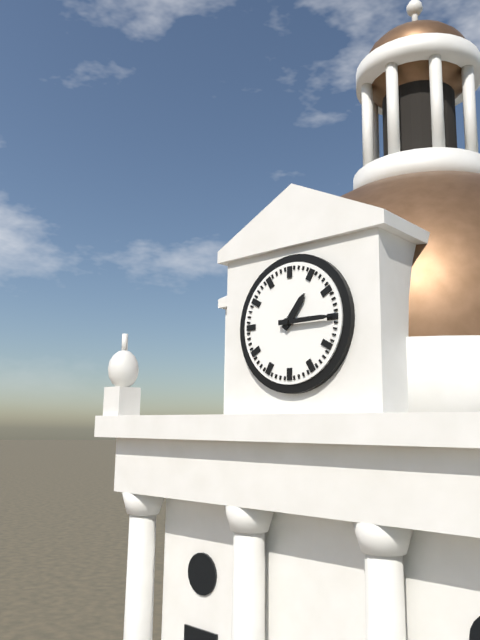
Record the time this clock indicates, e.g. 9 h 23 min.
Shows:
1 h 15 min
